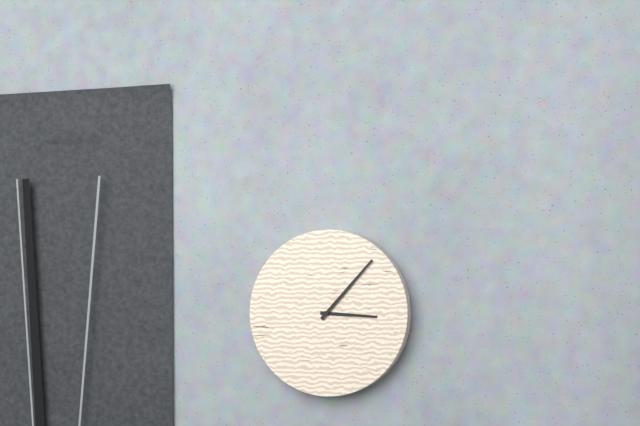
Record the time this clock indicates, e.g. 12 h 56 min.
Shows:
3 h 07 min
